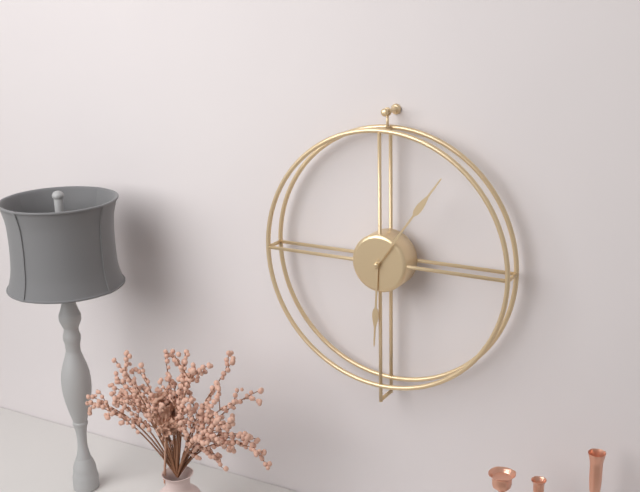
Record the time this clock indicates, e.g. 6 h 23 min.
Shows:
6 h 06 min
